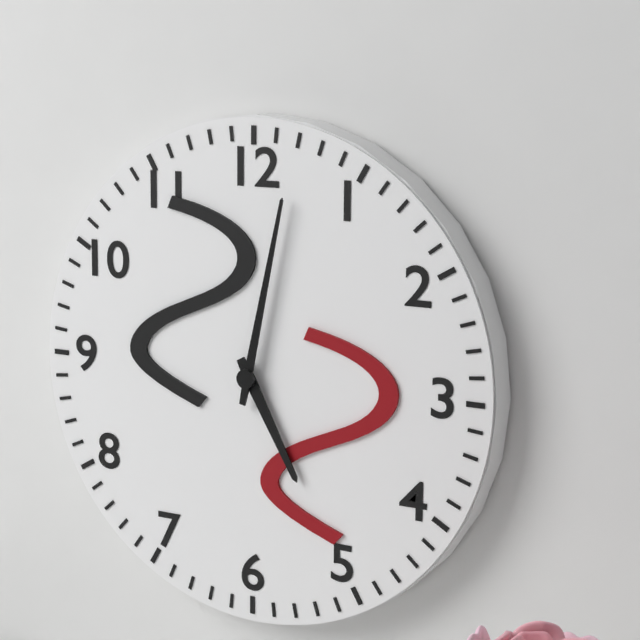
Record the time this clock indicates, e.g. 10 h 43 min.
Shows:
5 h 02 min
